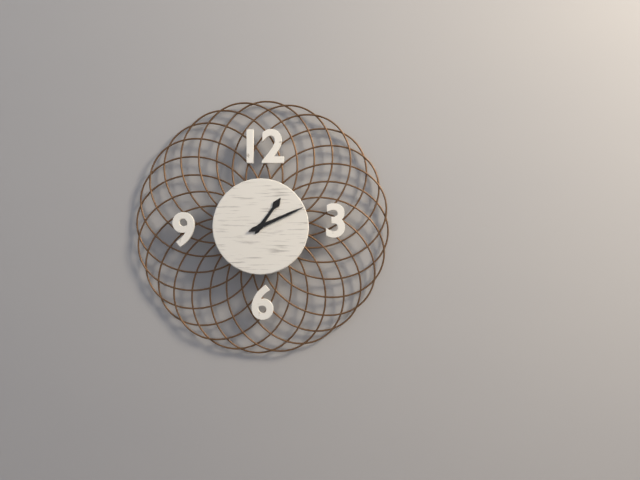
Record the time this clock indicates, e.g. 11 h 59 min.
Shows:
1 h 11 min
